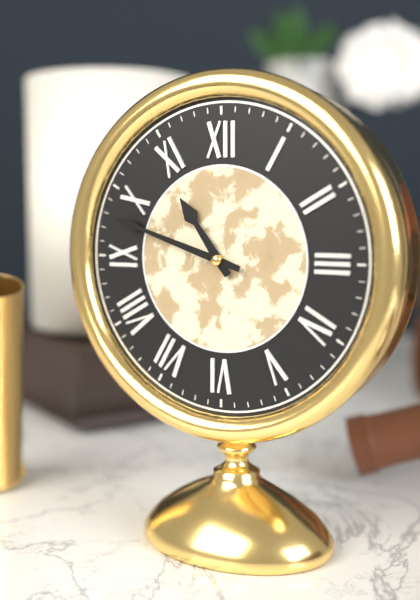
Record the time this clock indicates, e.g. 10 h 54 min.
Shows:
10 h 48 min
